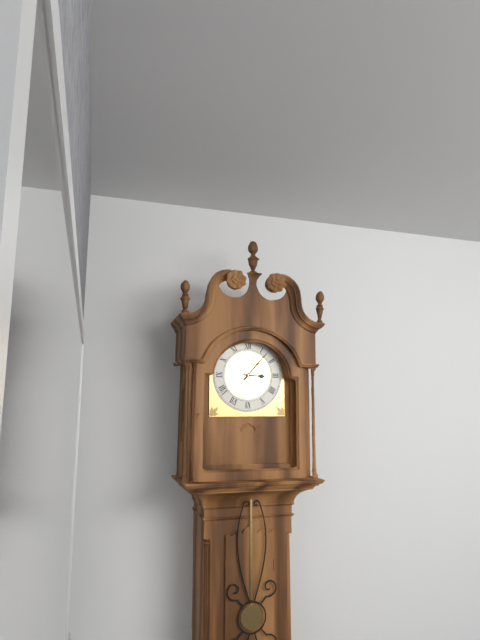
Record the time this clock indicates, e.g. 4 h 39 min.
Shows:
3 h 07 min
